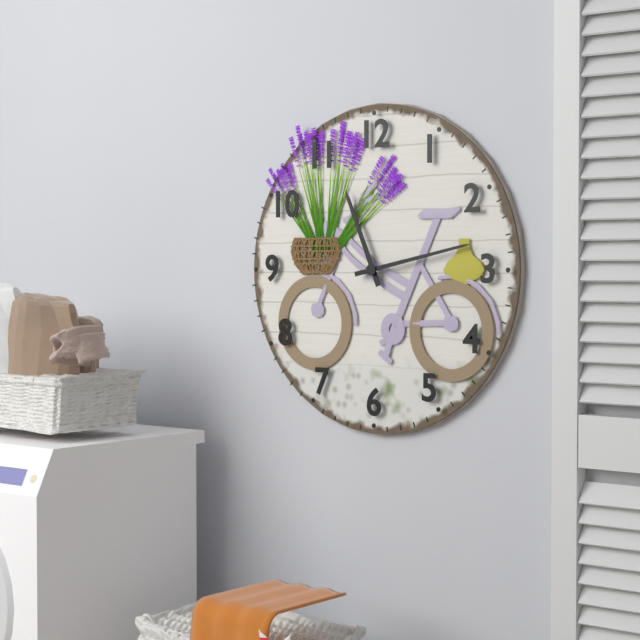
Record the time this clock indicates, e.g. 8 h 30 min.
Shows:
11 h 13 min
